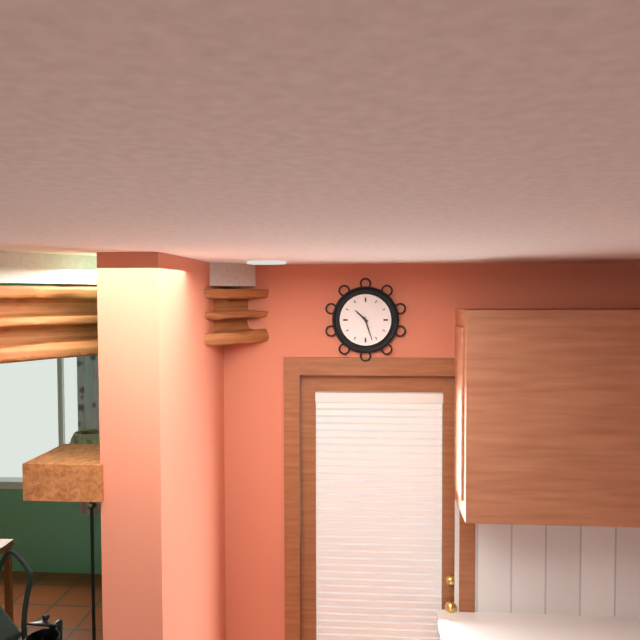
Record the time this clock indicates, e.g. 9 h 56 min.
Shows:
10 h 27 min
